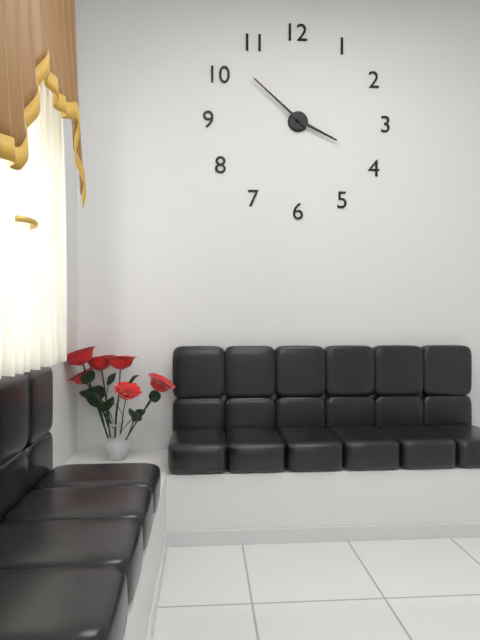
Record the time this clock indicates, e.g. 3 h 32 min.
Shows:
3 h 52 min
